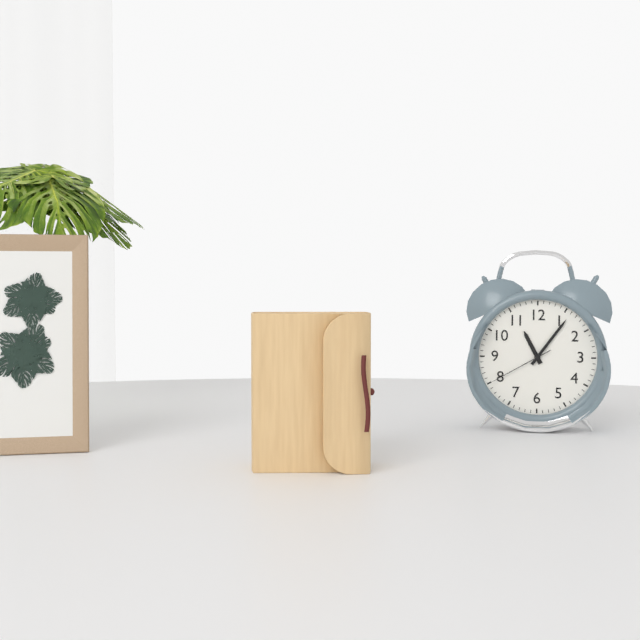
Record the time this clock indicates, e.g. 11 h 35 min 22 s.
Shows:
11 h 06 min 40 s
